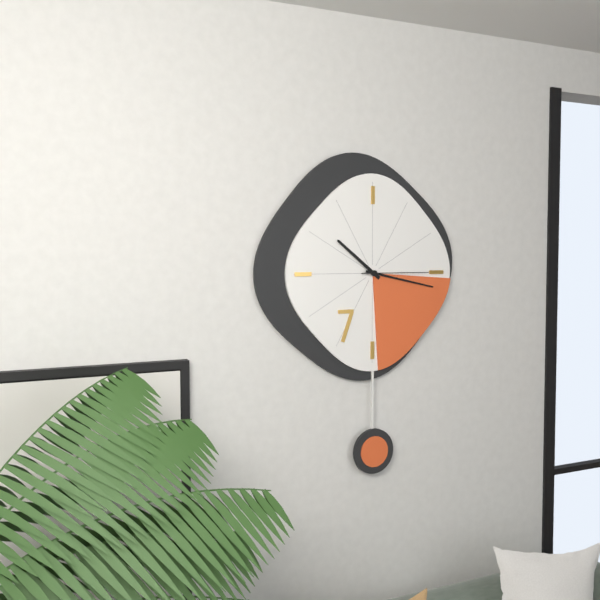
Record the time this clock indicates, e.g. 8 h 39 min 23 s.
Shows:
10 h 17 min 15 s
